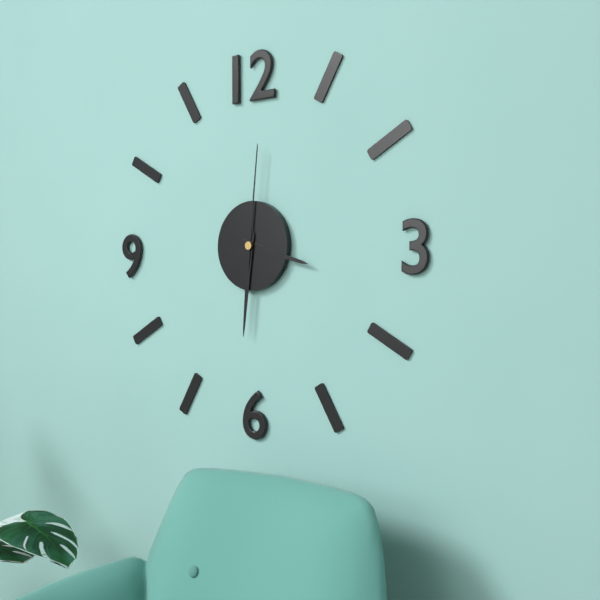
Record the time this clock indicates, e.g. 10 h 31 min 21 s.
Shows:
3 h 31 min 01 s
